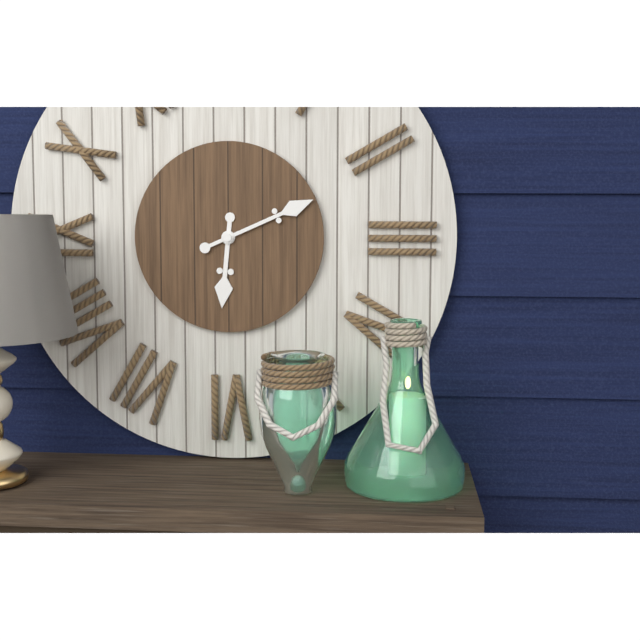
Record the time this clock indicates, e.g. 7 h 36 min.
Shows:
6 h 11 min
